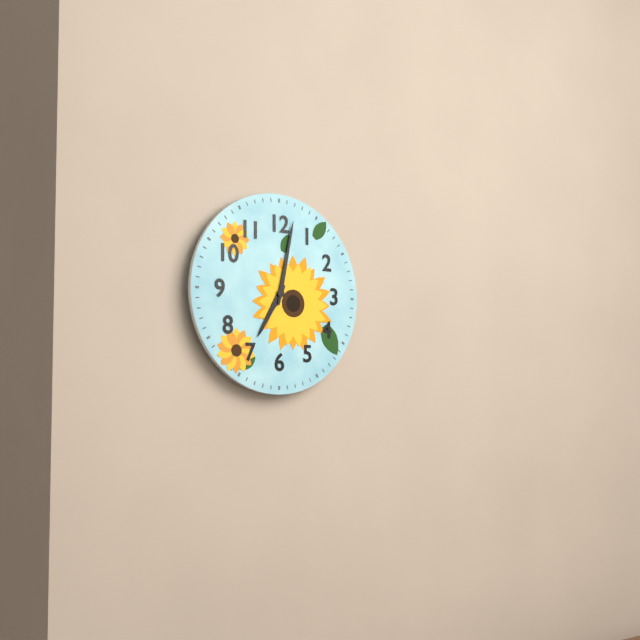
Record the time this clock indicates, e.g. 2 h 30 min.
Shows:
7 h 02 min
